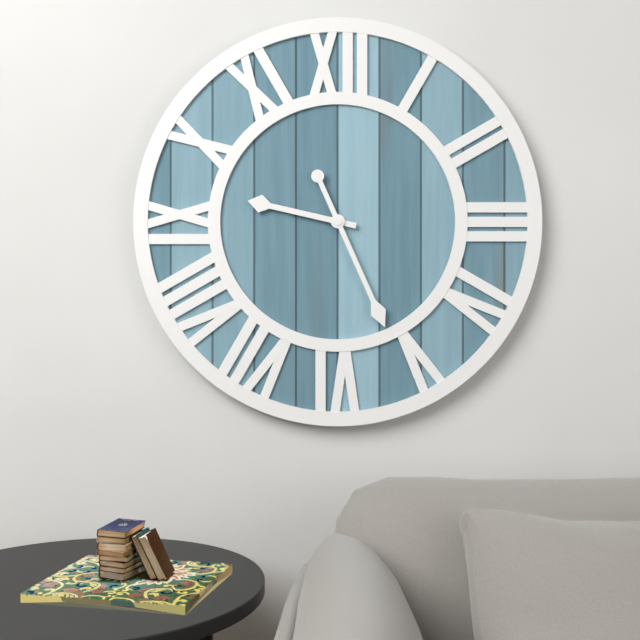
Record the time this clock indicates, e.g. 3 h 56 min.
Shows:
9 h 26 min
